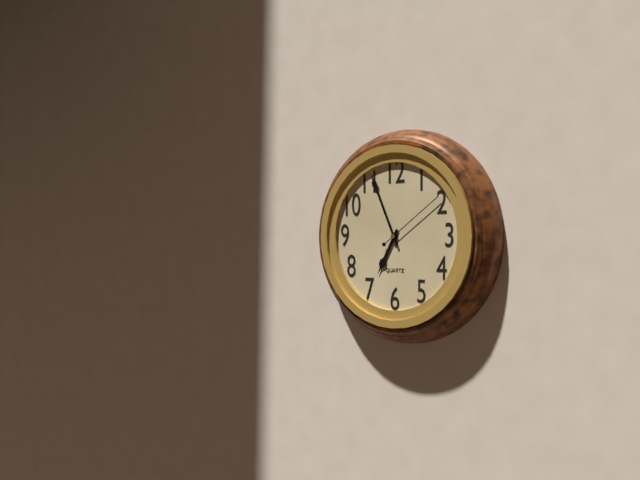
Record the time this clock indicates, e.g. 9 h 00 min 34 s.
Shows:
6 h 56 min 09 s
